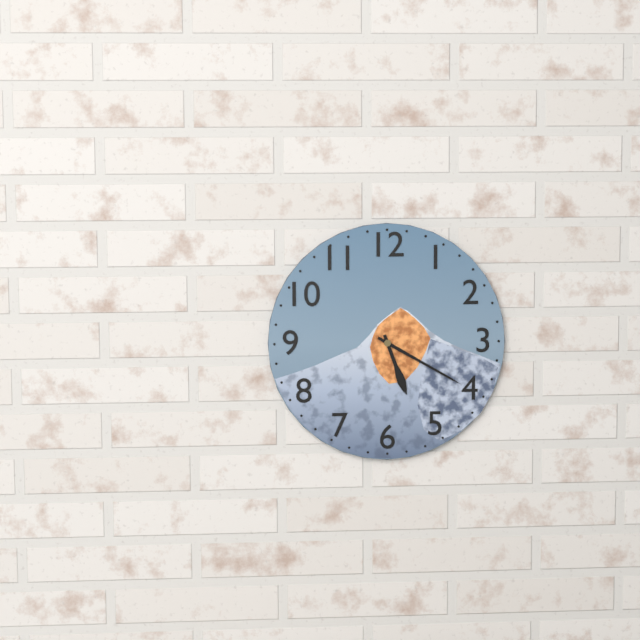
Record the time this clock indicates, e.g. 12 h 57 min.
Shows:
5 h 20 min
